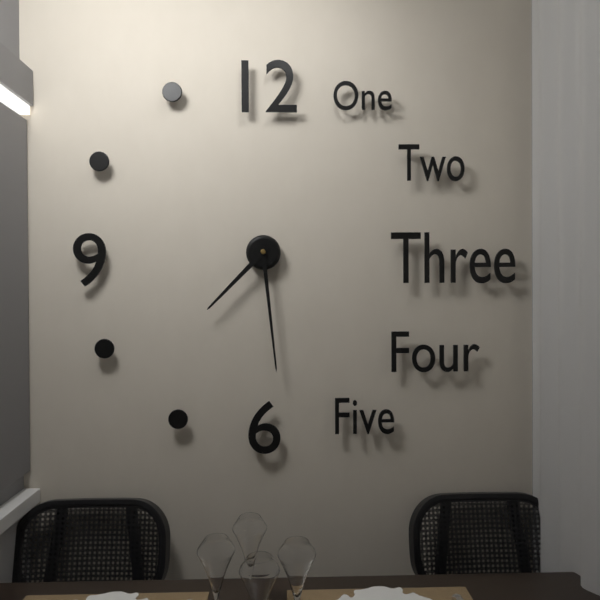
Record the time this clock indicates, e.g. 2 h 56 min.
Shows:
7 h 29 min
